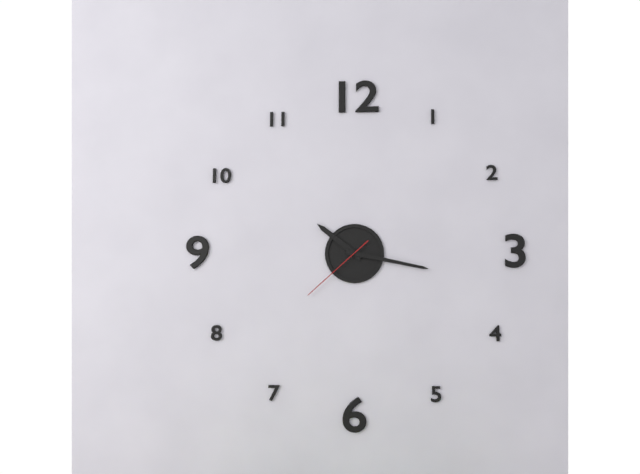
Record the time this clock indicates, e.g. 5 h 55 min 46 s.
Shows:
10 h 17 min 38 s
